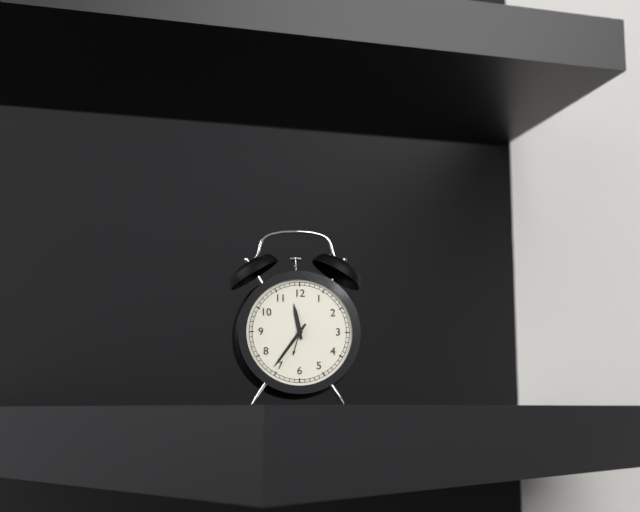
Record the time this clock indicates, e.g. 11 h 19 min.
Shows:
11 h 36 min
